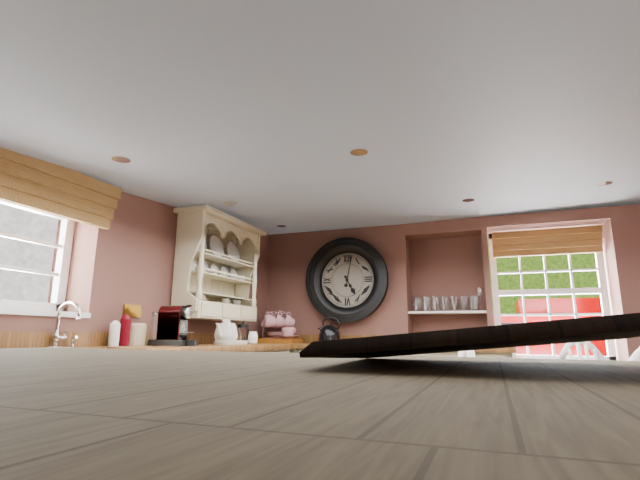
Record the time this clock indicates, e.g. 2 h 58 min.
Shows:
5 h 02 min
